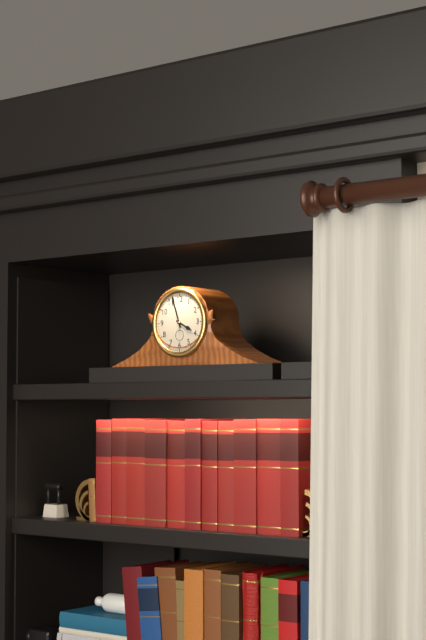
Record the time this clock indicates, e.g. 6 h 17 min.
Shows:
3 h 57 min
